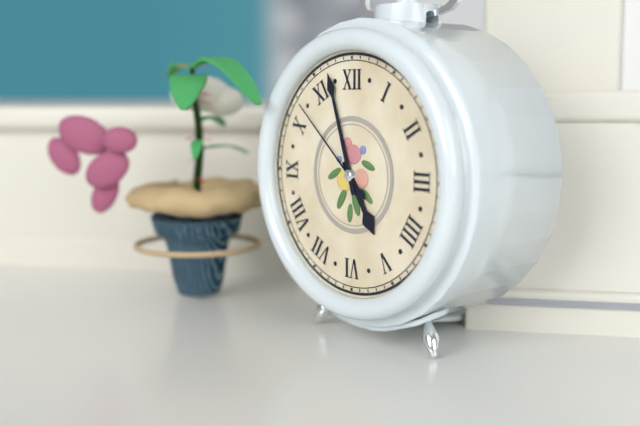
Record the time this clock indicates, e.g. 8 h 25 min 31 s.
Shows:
4 h 57 min 52 s
